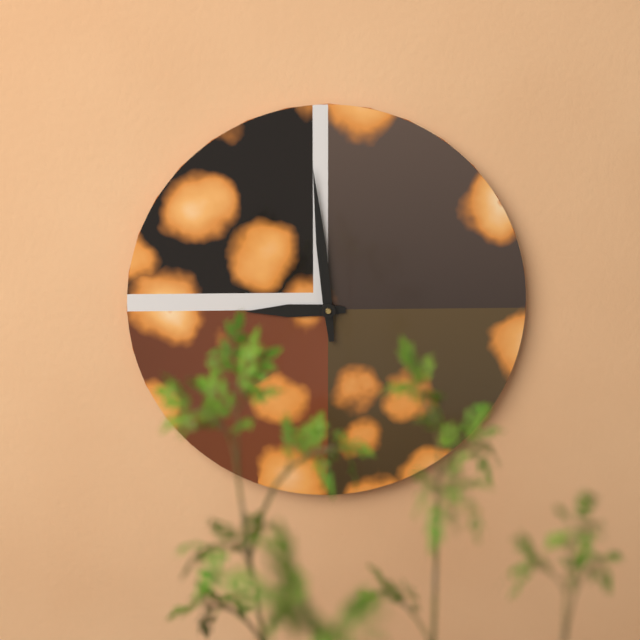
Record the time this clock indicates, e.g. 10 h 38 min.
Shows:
8 h 59 min
